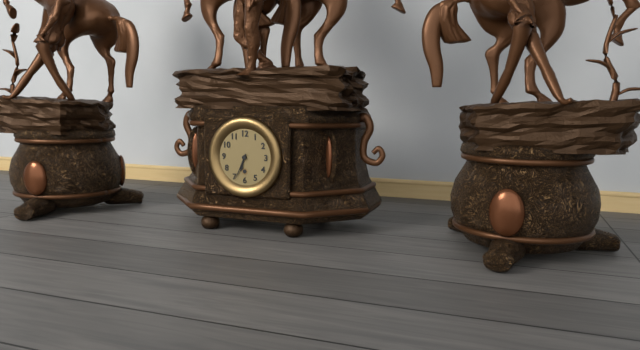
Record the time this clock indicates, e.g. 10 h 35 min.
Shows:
6 h 34 min
